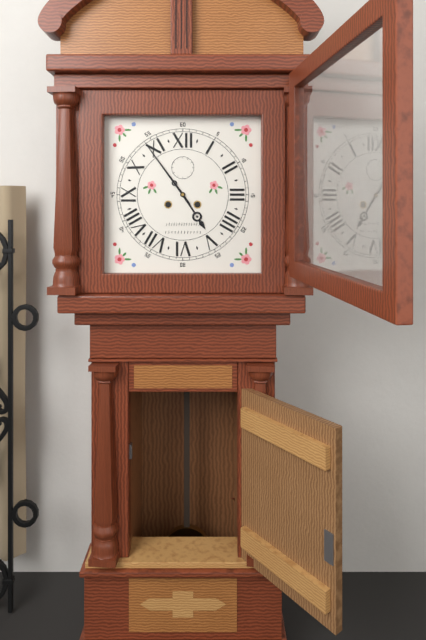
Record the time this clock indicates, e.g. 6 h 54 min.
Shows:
4 h 54 min
